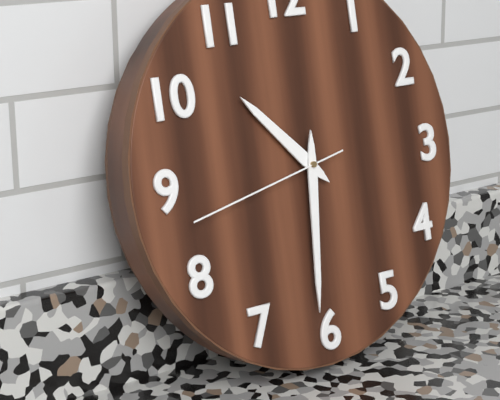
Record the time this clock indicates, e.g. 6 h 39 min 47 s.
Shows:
10 h 31 min 43 s
